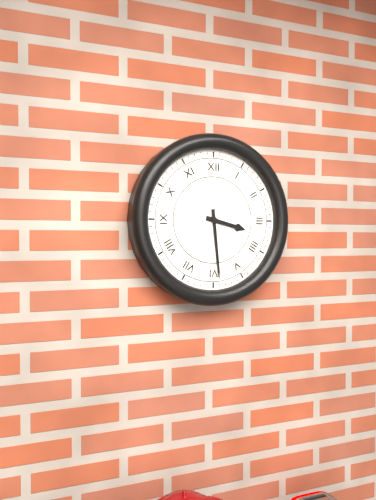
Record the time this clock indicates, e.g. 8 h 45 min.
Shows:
3 h 29 min
